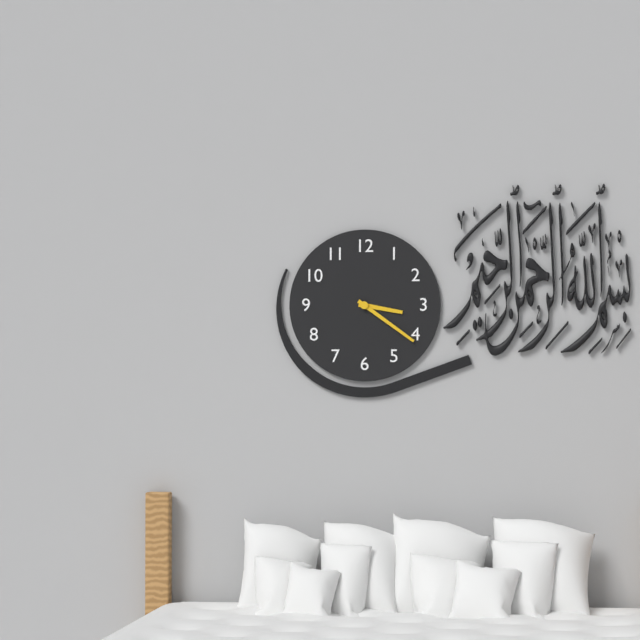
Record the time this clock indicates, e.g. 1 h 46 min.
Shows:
3 h 21 min
